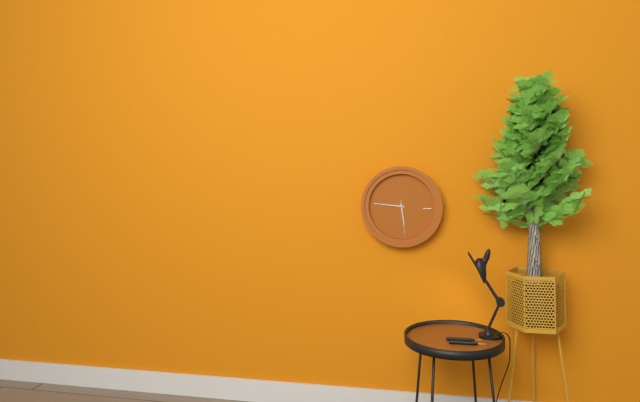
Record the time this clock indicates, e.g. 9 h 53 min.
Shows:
5 h 46 min
